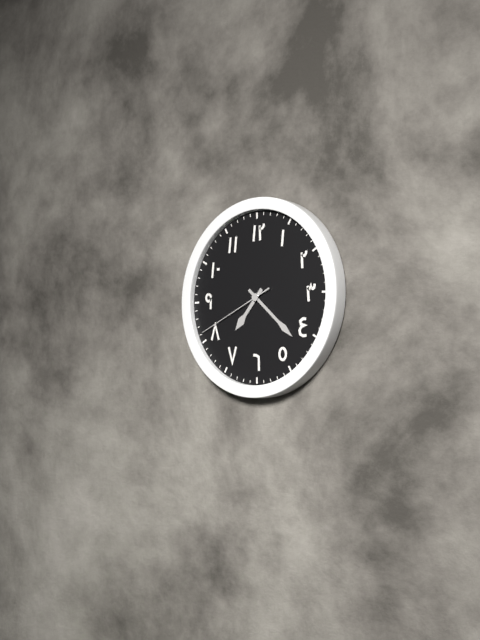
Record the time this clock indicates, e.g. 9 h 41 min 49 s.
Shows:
7 h 22 min 41 s
